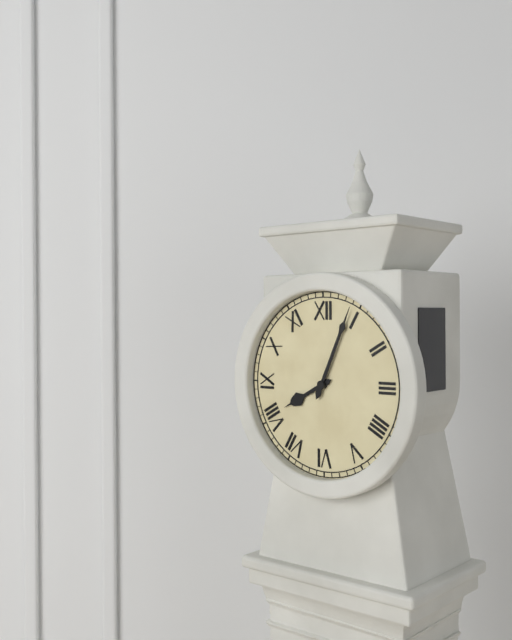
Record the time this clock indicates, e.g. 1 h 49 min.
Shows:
8 h 04 min
